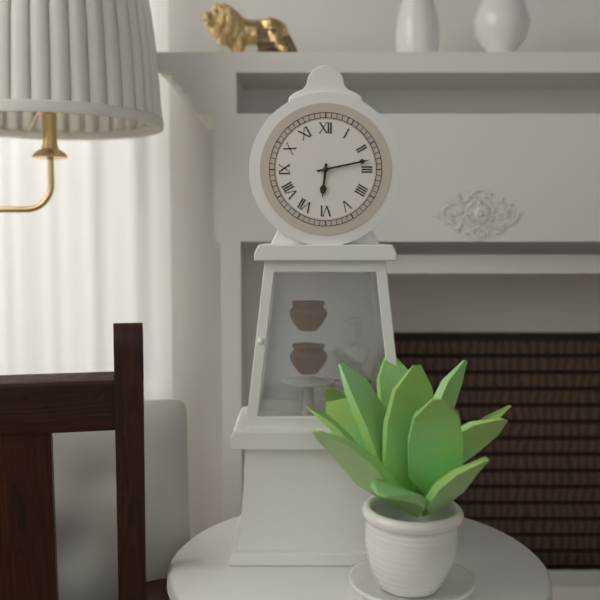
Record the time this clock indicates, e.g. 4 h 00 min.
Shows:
6 h 13 min
